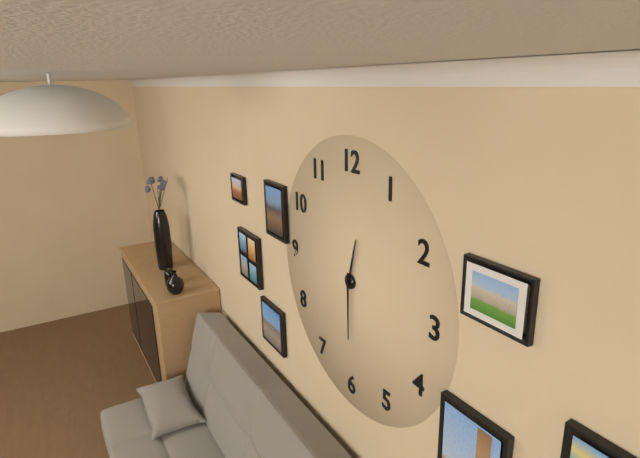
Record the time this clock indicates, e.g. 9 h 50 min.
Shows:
12 h 30 min
